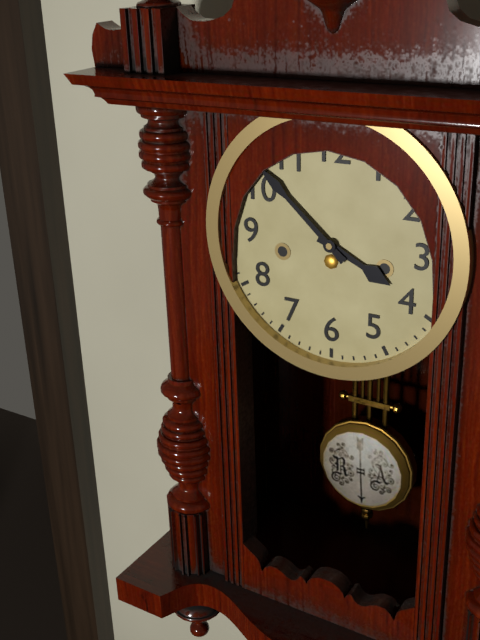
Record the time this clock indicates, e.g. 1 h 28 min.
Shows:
3 h 52 min
